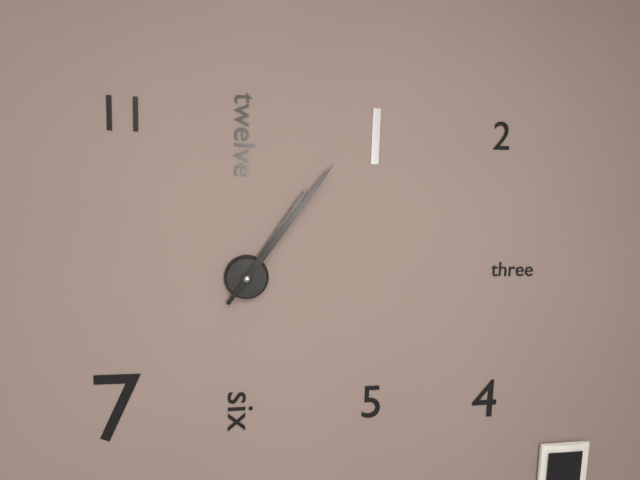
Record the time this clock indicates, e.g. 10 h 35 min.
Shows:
1 h 06 min
